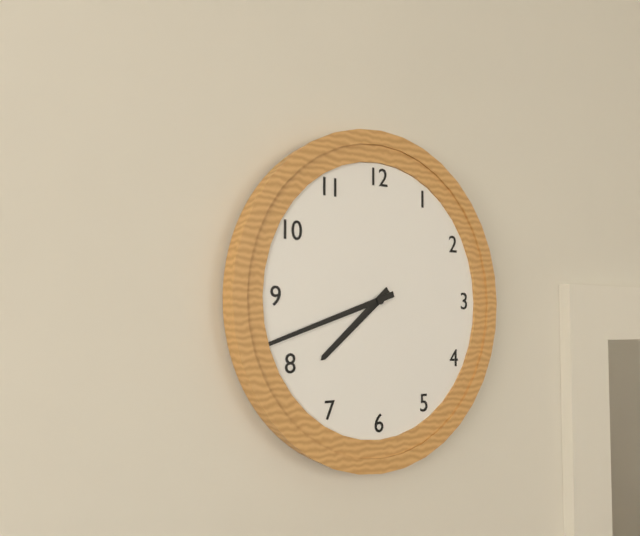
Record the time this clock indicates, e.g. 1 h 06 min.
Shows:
7 h 42 min
